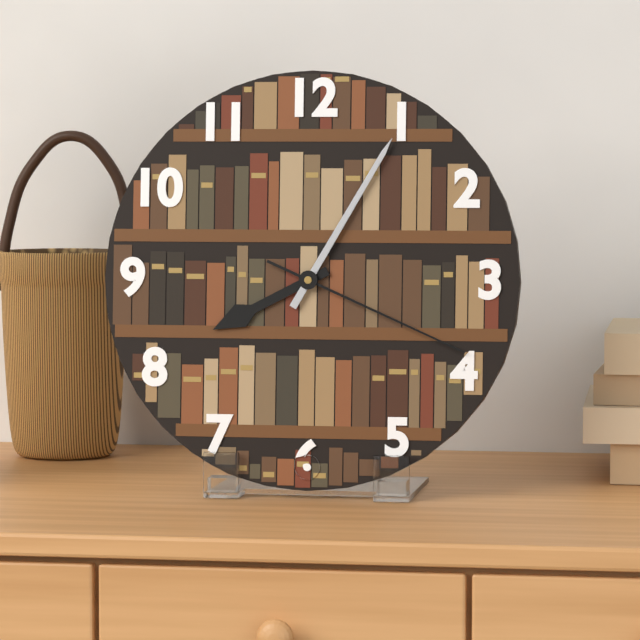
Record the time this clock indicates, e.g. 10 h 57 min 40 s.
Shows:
8 h 05 min 19 s
